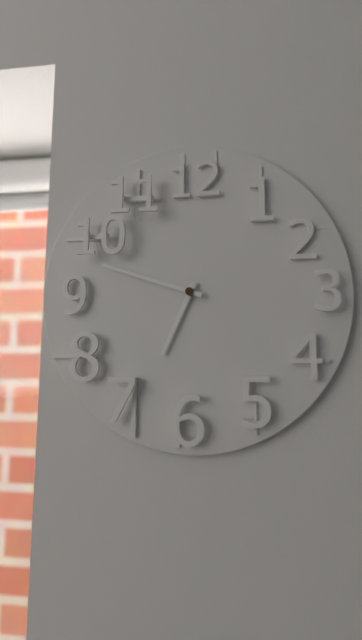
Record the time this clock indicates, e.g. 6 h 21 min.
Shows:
6 h 48 min
